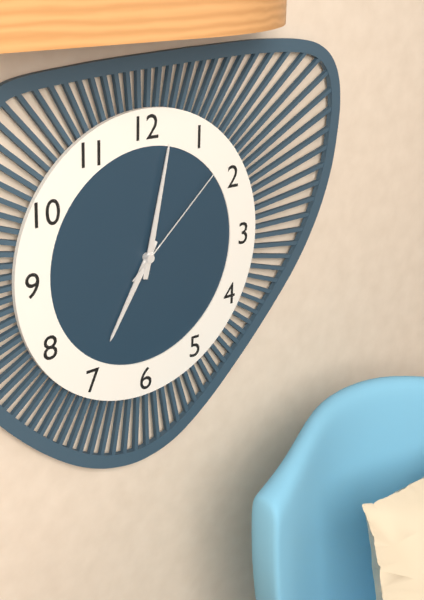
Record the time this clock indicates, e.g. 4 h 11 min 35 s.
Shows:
7 h 02 min 08 s
